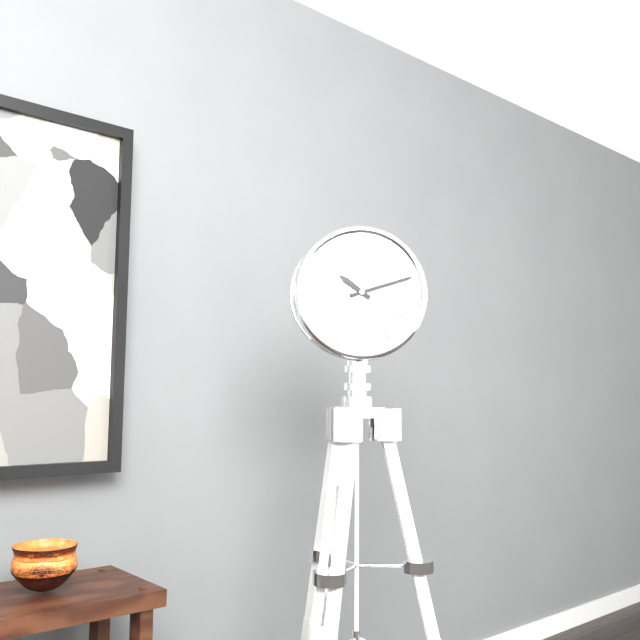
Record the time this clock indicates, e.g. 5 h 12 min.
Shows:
10 h 12 min
